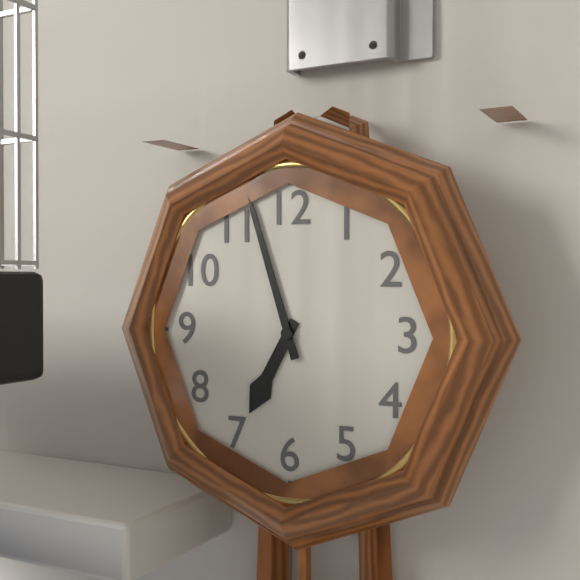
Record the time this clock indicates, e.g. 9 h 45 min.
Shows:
6 h 57 min
